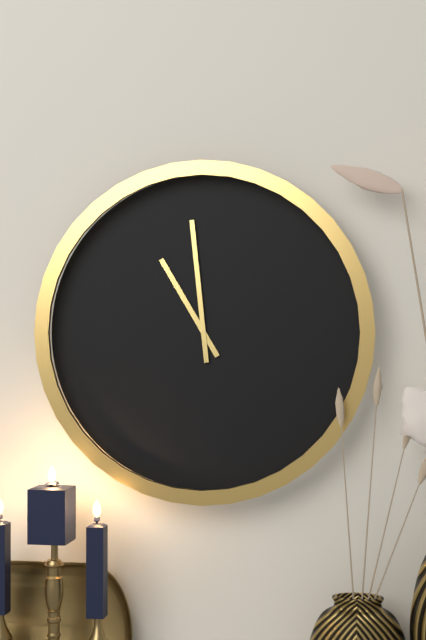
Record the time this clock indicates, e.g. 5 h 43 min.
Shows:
10 h 59 min
